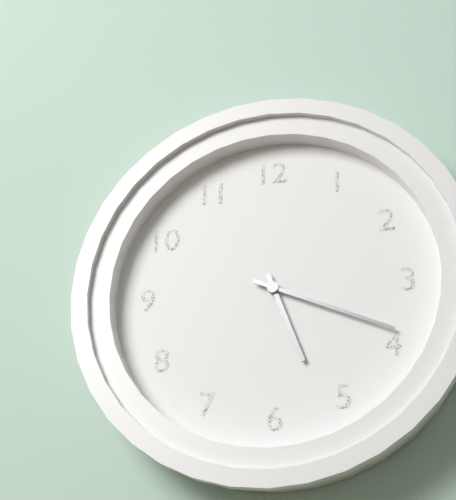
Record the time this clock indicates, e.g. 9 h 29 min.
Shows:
5 h 19 min
